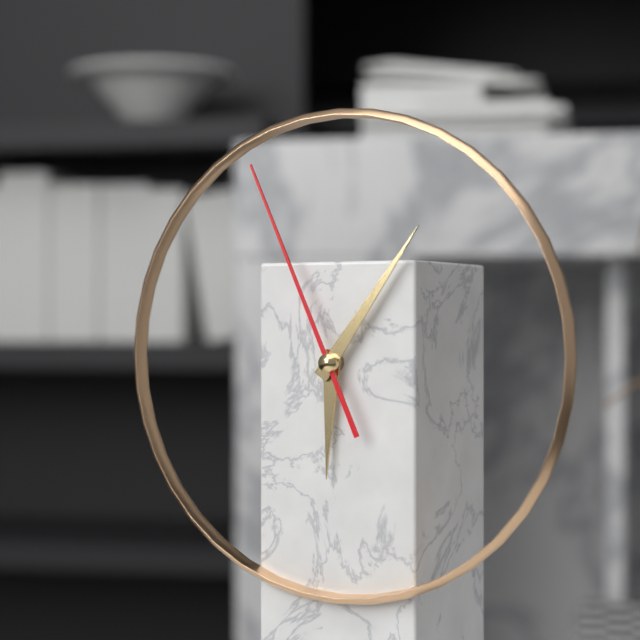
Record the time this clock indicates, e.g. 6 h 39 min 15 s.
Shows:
6 h 06 min 56 s
